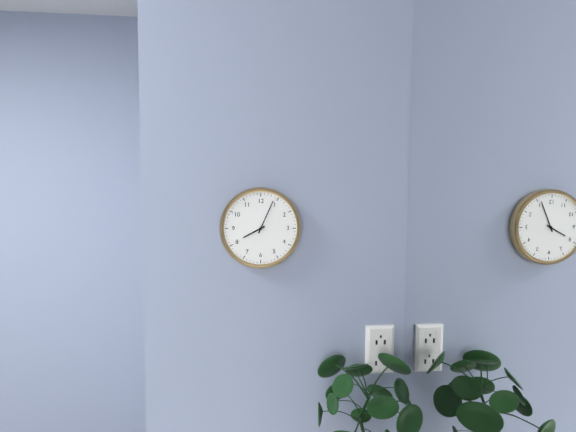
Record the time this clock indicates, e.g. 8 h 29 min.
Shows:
8 h 04 min
